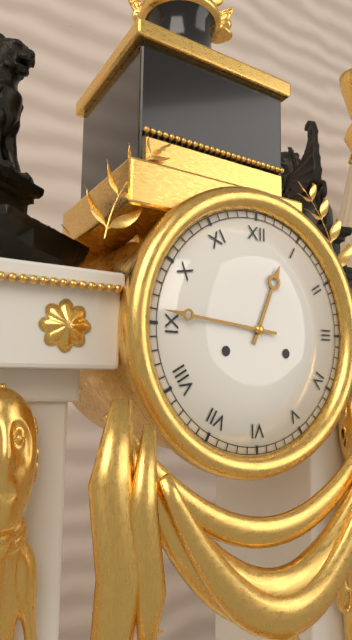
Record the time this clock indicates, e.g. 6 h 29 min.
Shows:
12 h 46 min
